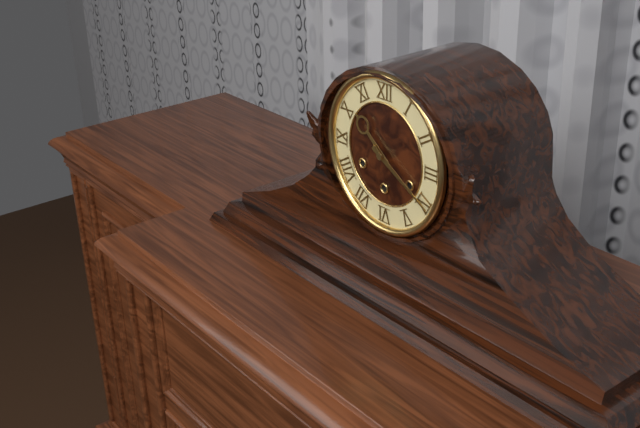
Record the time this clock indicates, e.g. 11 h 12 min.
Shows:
10 h 20 min
